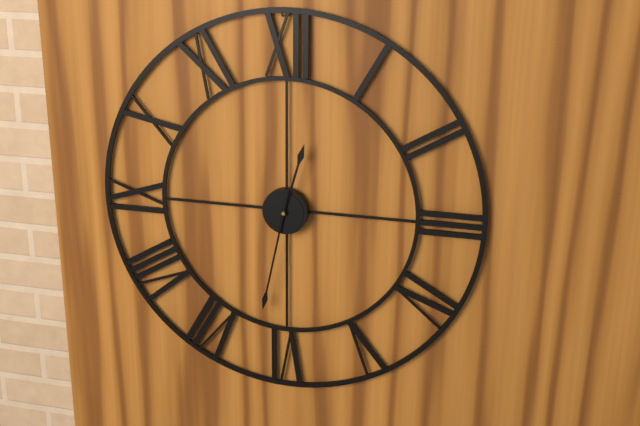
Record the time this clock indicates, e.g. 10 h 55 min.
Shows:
12 h 32 min
